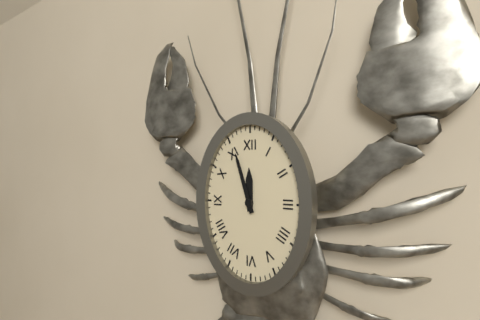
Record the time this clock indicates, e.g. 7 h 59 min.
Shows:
11 h 57 min
